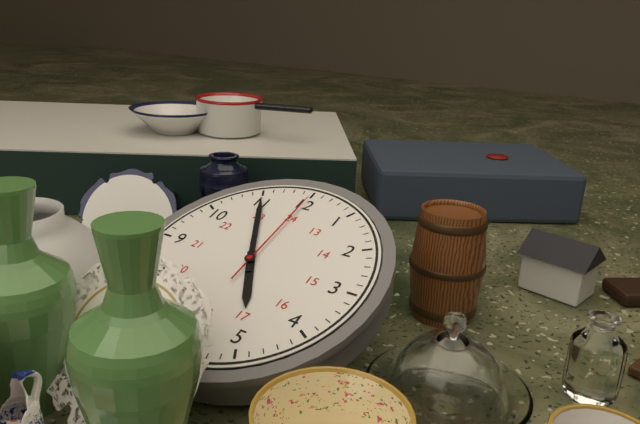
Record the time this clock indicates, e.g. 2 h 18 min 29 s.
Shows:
4 h 55 min 00 s
